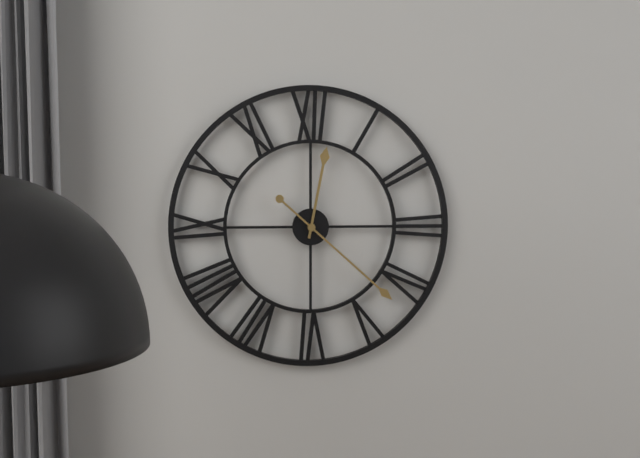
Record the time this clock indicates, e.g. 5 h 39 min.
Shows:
12 h 22 min
